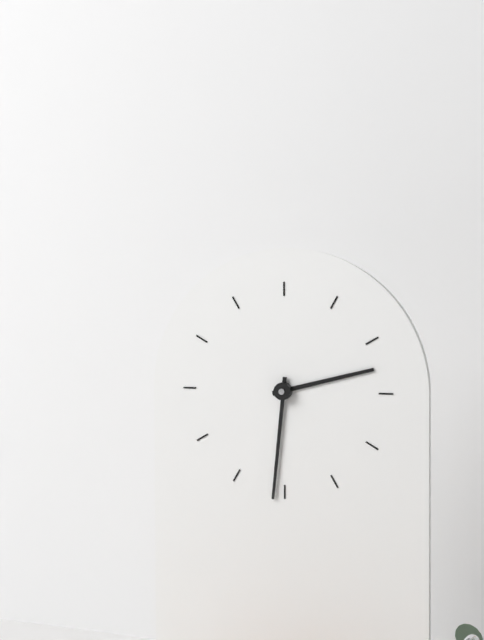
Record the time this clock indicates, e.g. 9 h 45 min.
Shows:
2 h 31 min
